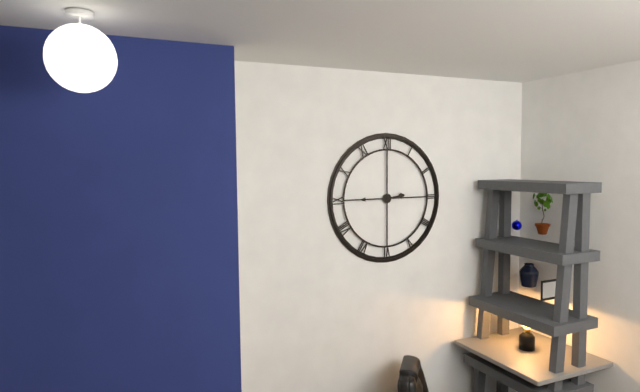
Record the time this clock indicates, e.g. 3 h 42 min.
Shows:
2 h 45 min
